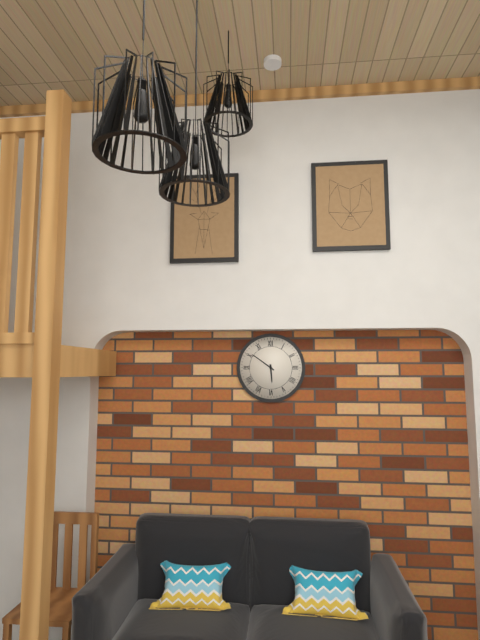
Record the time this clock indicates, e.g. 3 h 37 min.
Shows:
5 h 51 min
